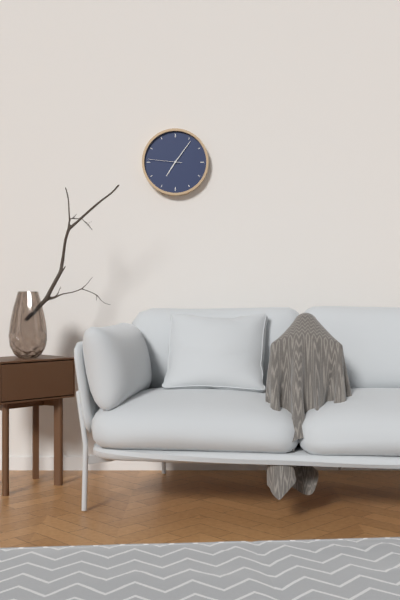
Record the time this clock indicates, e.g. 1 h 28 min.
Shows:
7 h 06 min
